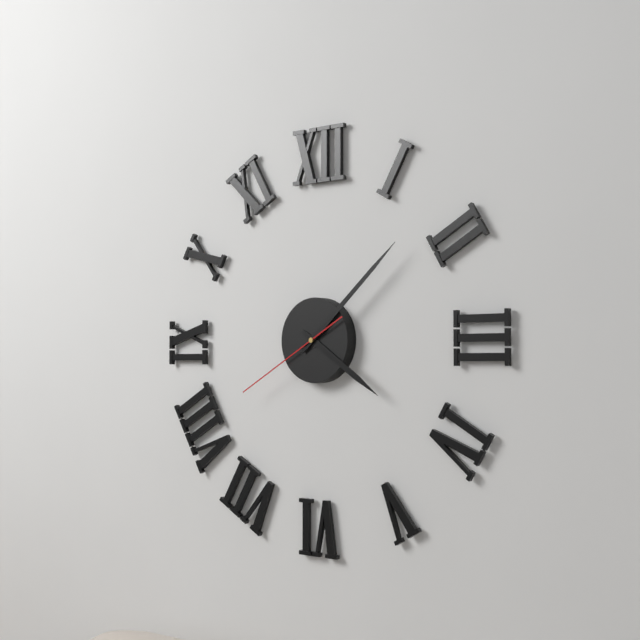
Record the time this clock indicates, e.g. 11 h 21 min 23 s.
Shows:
4 h 08 min 40 s
